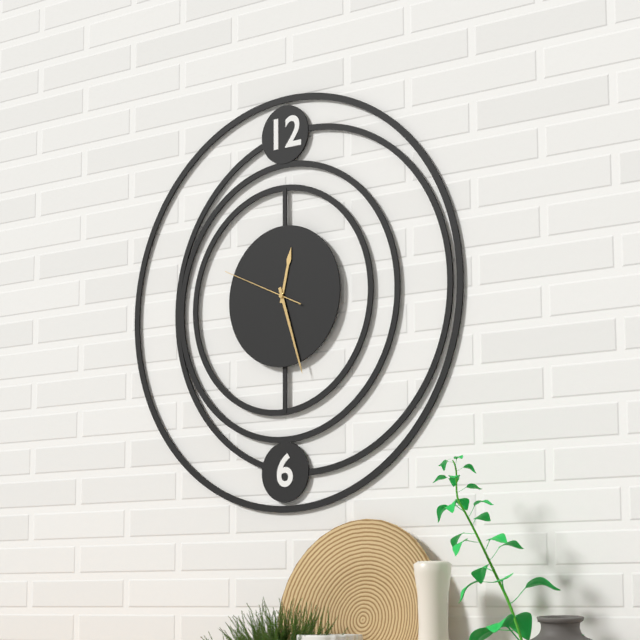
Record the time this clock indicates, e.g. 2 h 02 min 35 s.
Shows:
12 h 27 min 49 s
